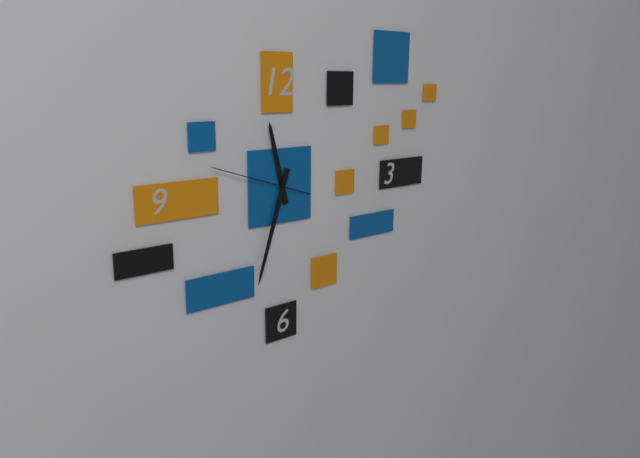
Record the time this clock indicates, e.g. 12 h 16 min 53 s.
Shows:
11 h 33 min 48 s
